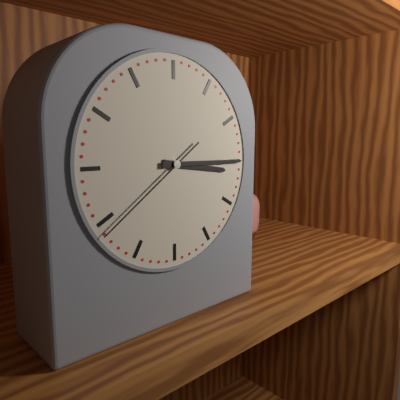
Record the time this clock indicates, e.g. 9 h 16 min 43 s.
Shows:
3 h 15 min 39 s
